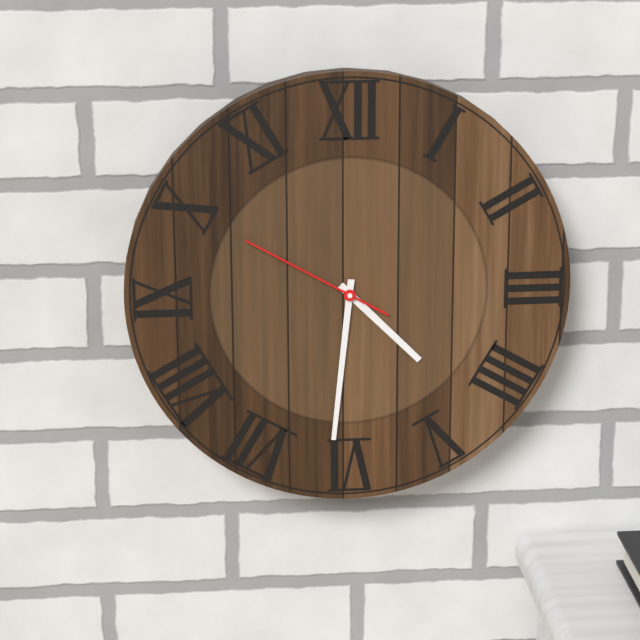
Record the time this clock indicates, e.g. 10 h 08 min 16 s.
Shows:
4 h 31 min 50 s
